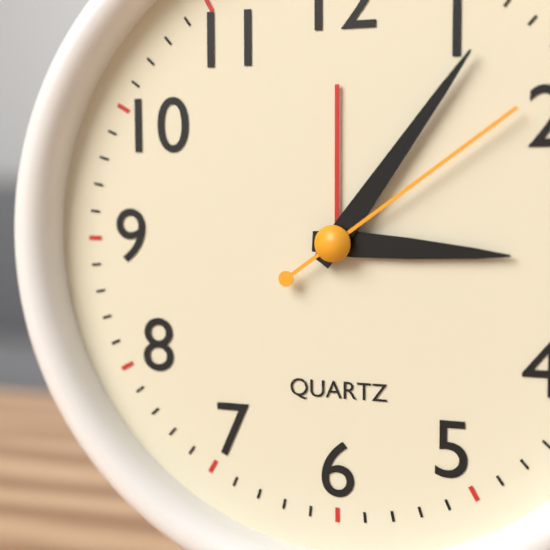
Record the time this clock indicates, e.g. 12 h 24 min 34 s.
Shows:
3 h 06 min 09 s
